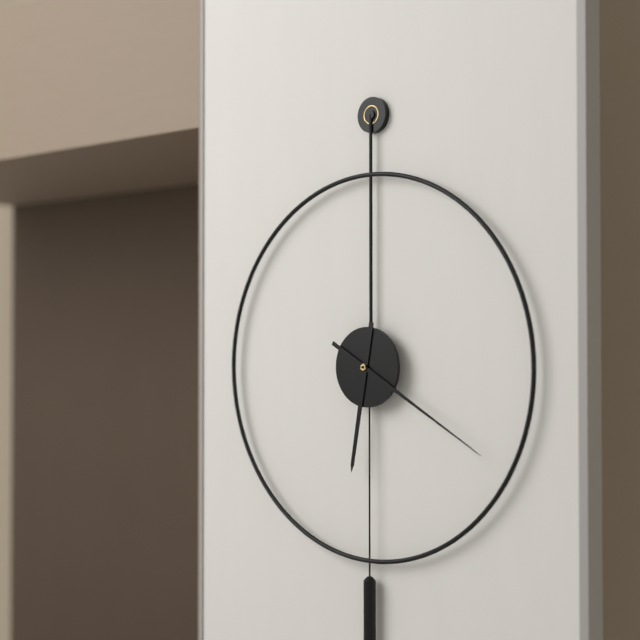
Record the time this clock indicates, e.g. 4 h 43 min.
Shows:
6 h 20 min
